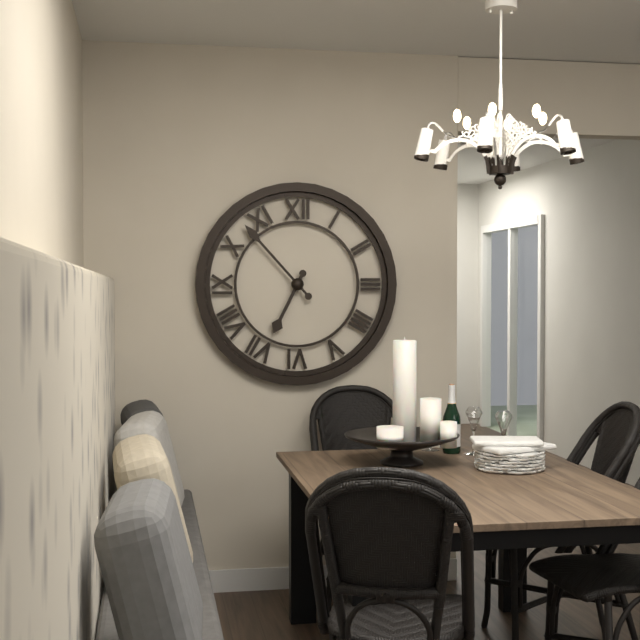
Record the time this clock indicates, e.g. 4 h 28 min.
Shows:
6 h 53 min
